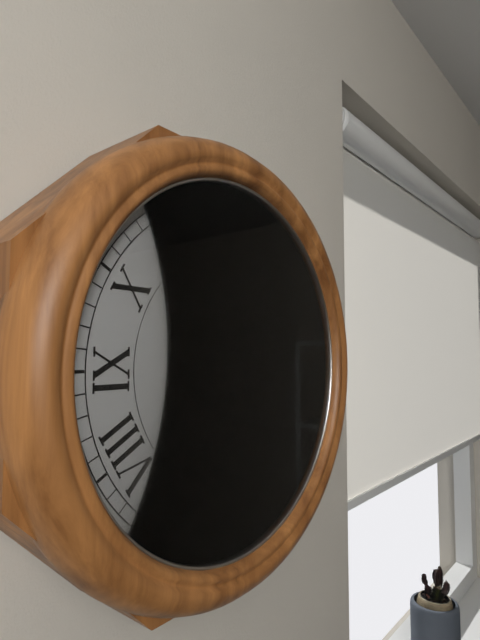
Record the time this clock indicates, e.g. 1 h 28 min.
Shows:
11 h 27 min
